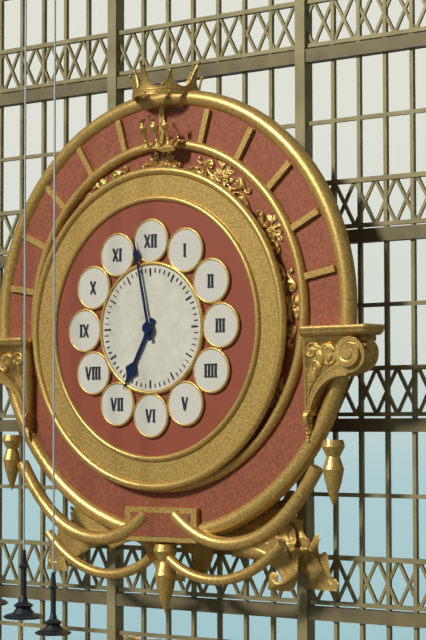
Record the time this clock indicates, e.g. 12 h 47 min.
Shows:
6 h 58 min
